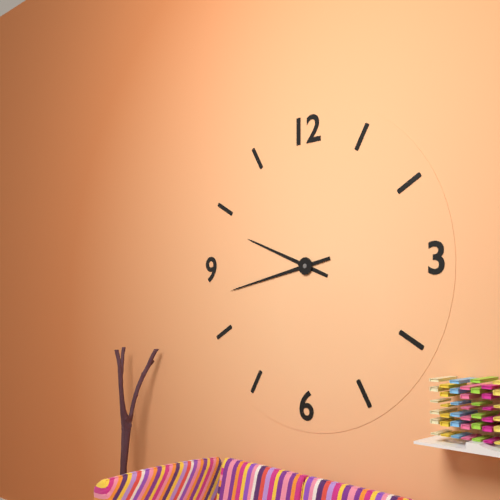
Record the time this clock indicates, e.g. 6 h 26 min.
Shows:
9 h 43 min
